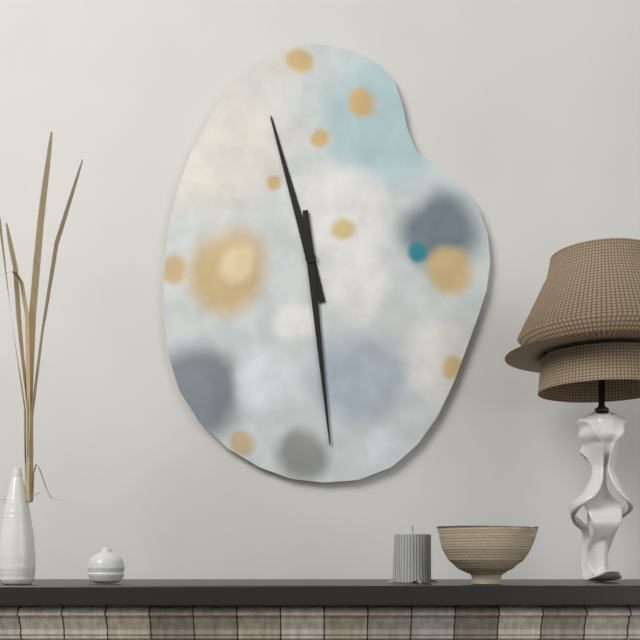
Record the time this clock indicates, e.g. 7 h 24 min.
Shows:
11 h 29 min
